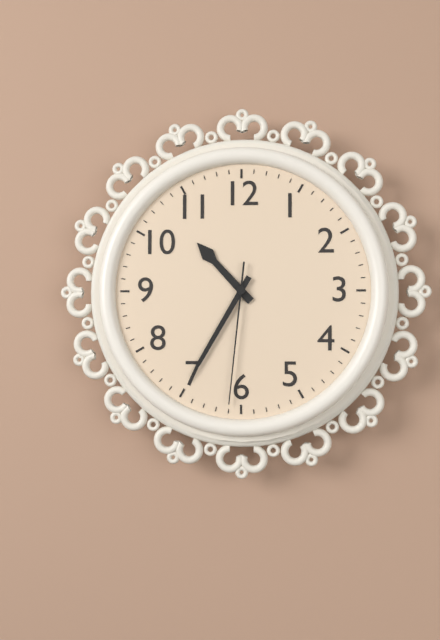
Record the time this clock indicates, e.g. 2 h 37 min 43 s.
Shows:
10 h 35 min 31 s
